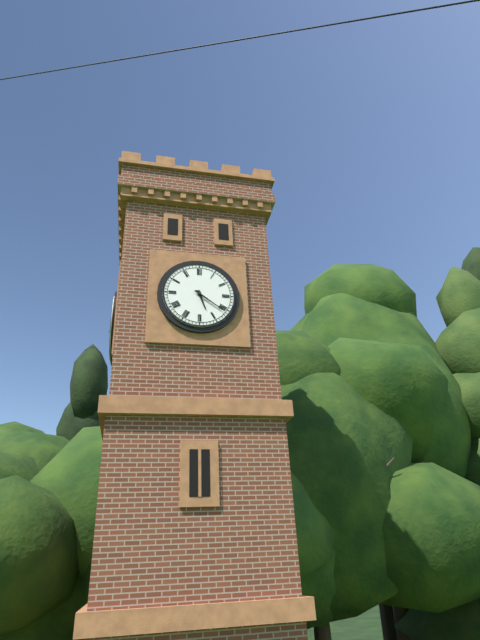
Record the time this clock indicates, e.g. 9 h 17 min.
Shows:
5 h 21 min
